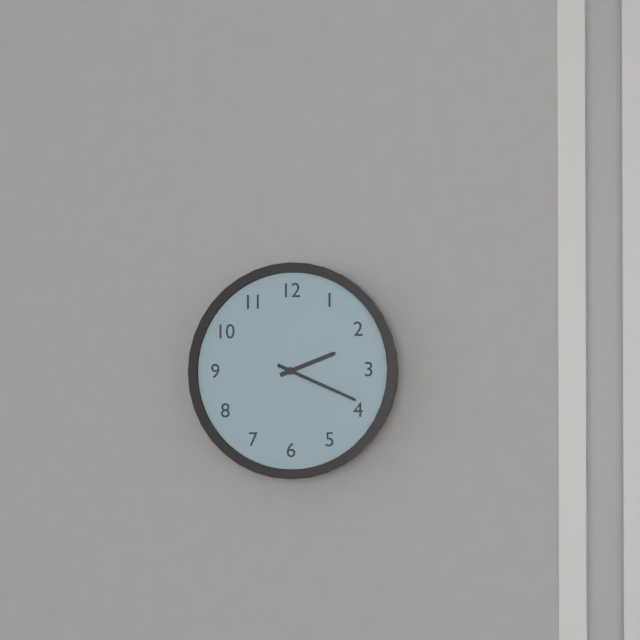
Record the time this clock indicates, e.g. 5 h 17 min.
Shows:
2 h 19 min
